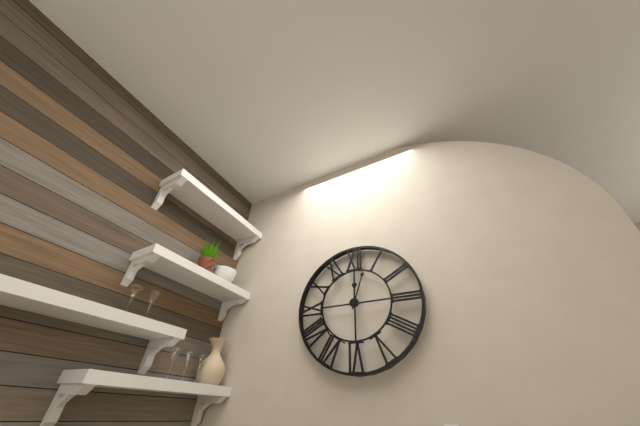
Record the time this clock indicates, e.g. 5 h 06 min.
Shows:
12 h 03 min
